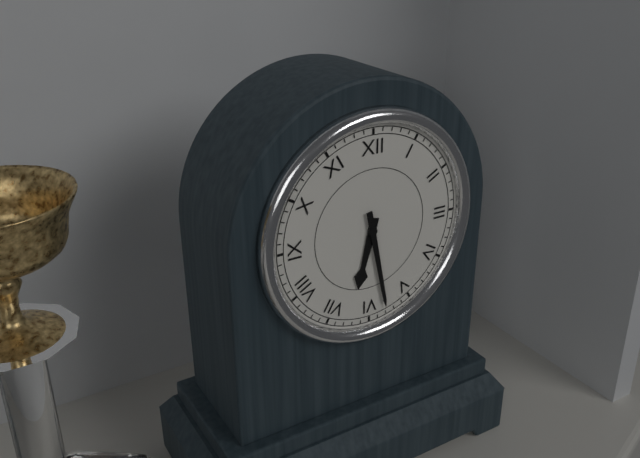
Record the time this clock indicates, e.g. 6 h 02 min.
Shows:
6 h 28 min
